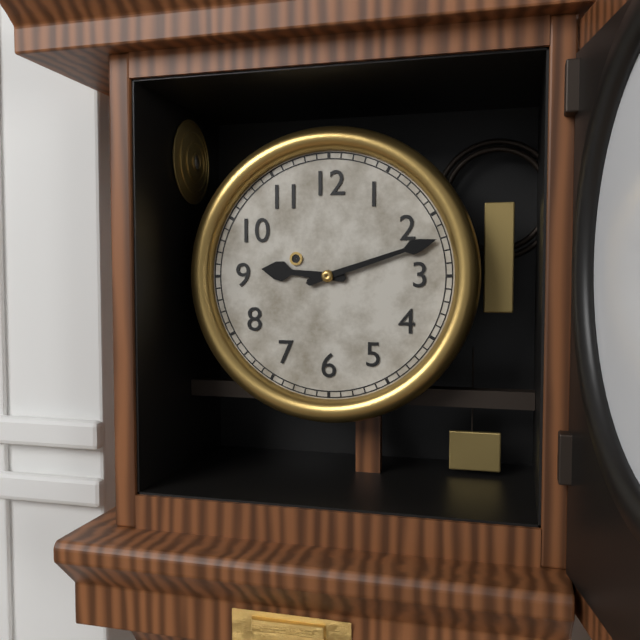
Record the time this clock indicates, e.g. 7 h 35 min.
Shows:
9 h 12 min
